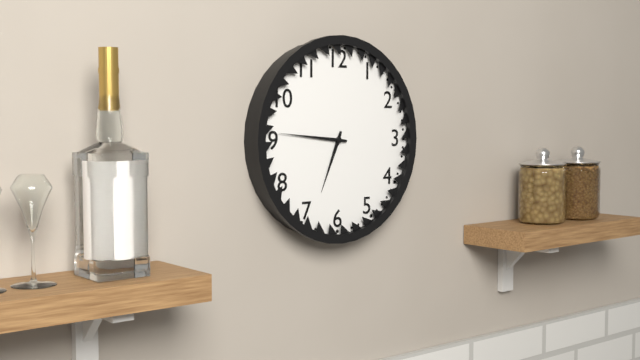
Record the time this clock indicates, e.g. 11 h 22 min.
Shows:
6 h 46 min
